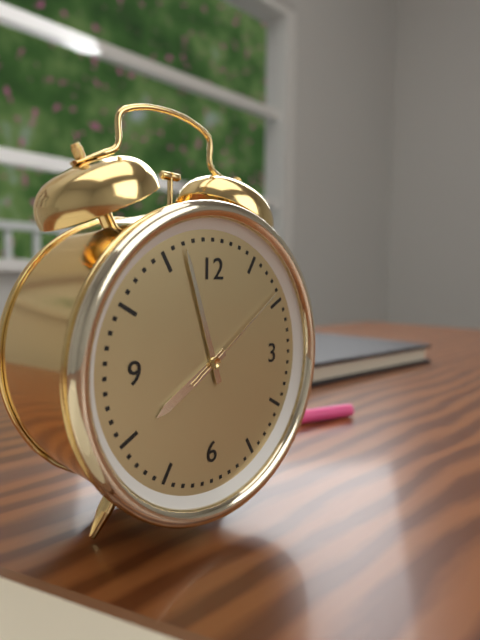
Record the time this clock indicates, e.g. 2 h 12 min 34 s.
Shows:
7 h 57 min 09 s
